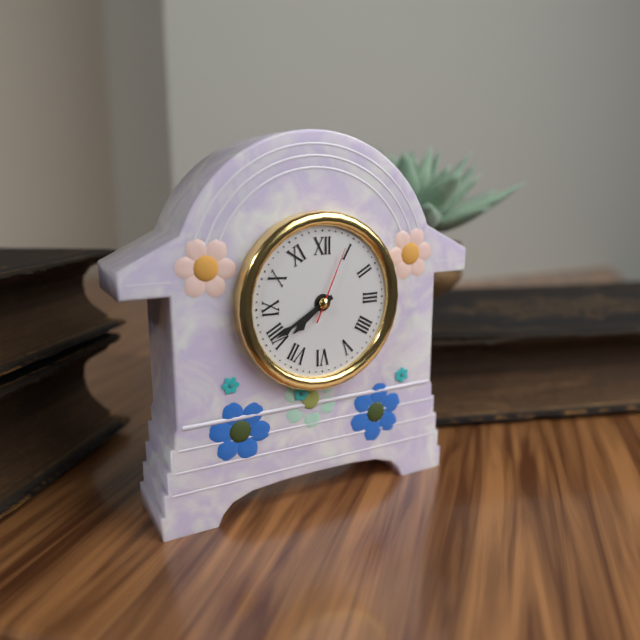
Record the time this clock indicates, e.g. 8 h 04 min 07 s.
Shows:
7 h 40 min 04 s
